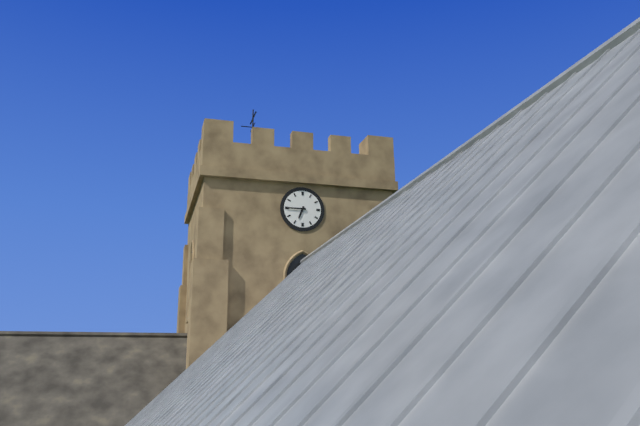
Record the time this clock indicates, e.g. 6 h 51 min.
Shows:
6 h 45 min
